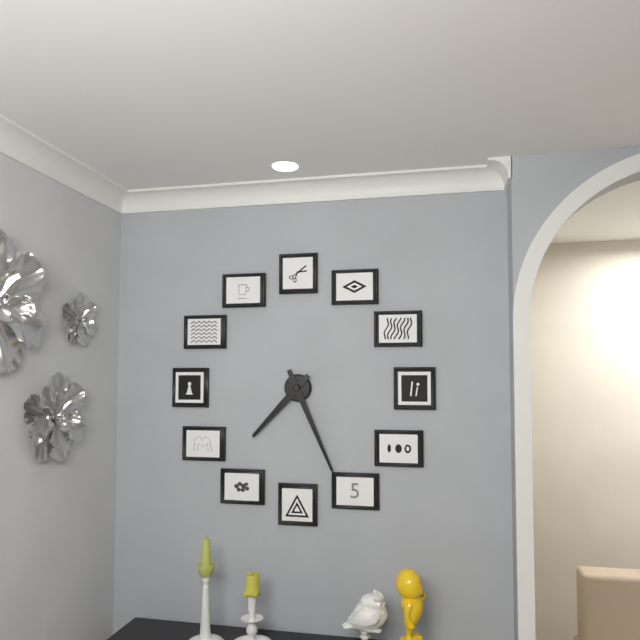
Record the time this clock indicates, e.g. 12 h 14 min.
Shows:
7 h 26 min
